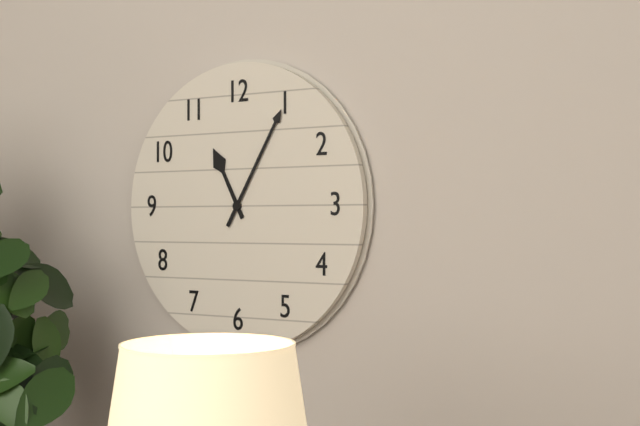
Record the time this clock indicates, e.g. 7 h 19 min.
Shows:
11 h 05 min
